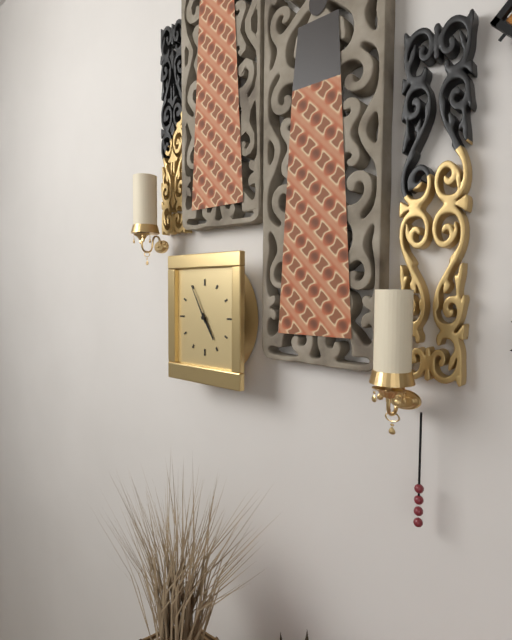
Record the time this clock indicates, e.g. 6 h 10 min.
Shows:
4 h 55 min
